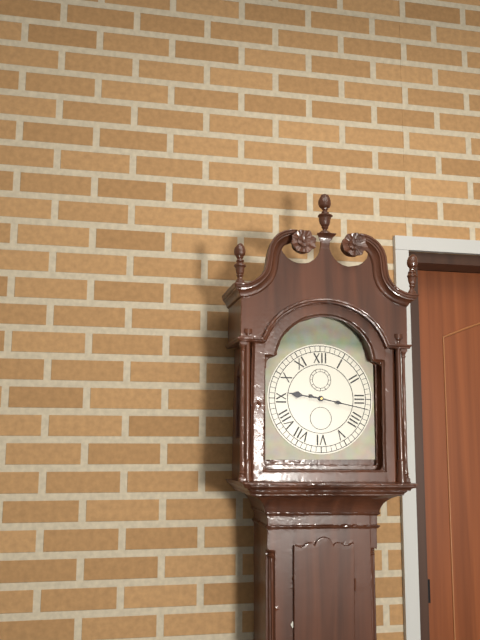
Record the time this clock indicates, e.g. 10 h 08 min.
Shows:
9 h 17 min
